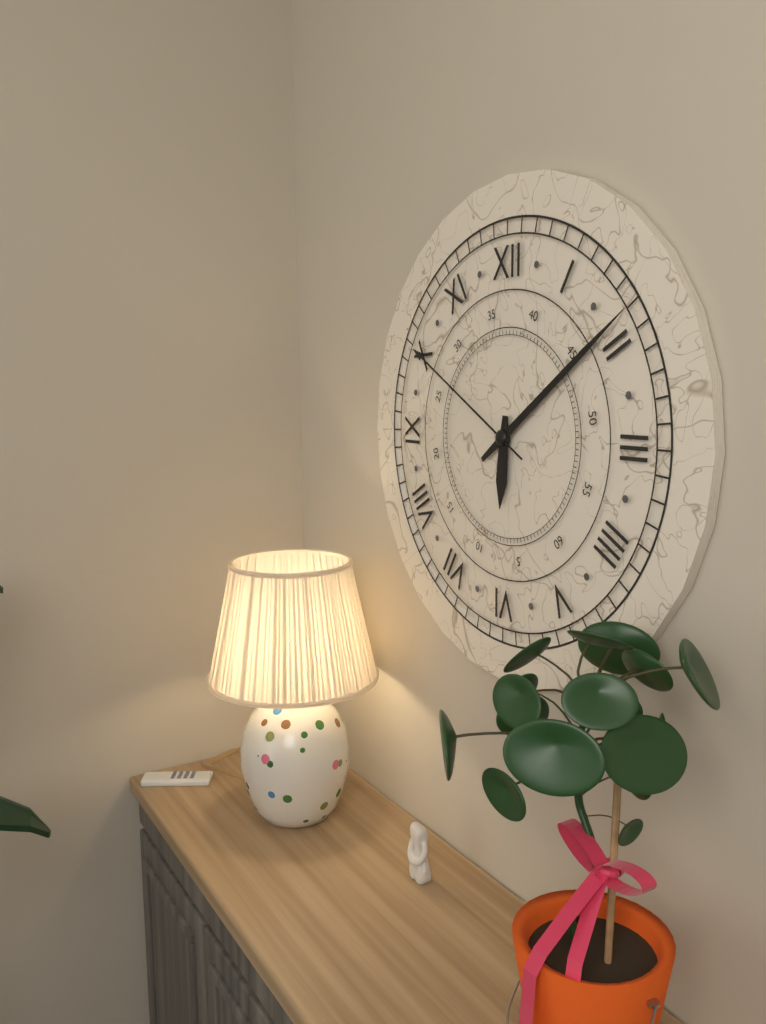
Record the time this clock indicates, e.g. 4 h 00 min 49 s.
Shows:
6 h 09 min 50 s
